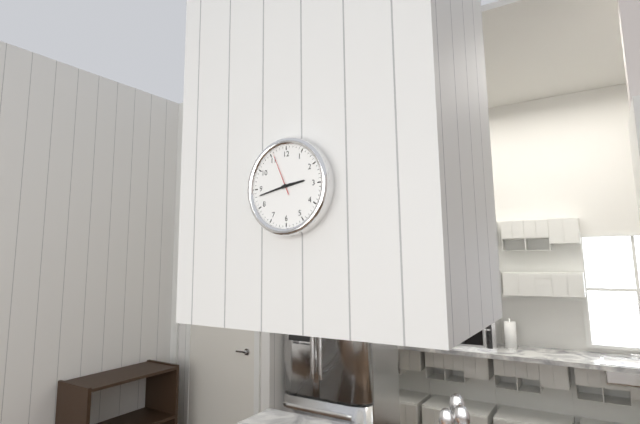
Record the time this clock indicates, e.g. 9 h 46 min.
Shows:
2 h 43 min
